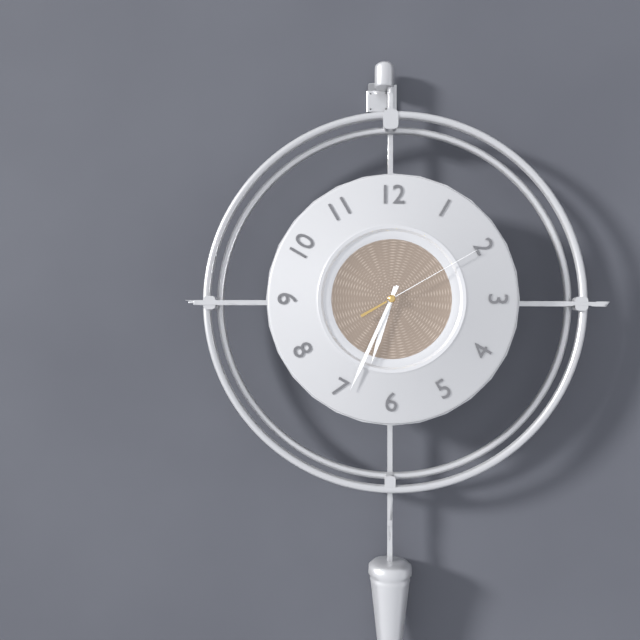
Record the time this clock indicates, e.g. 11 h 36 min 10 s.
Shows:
6 h 34 min 10 s
